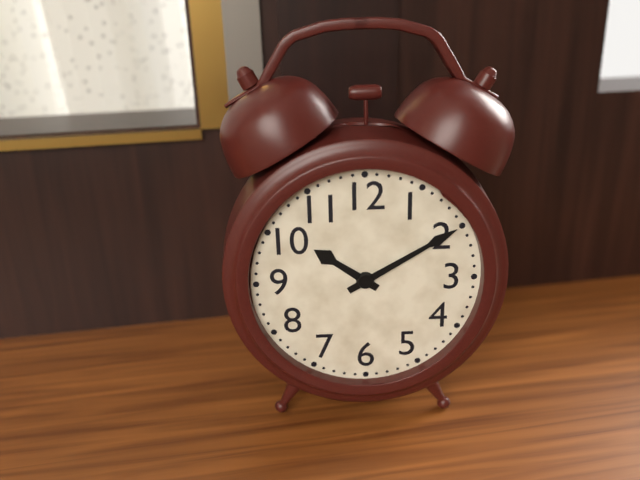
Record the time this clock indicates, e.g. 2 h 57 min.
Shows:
10 h 10 min
